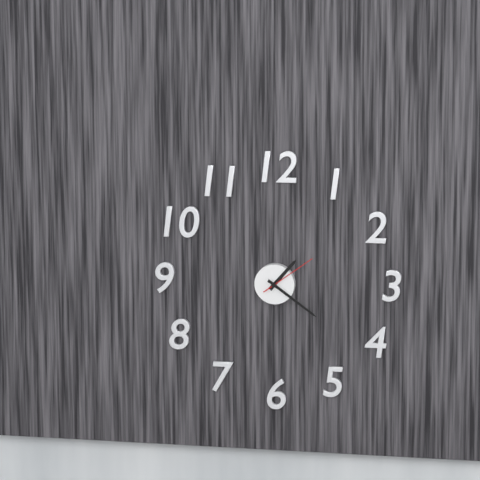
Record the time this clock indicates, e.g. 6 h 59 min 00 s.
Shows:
1 h 21 min 09 s
